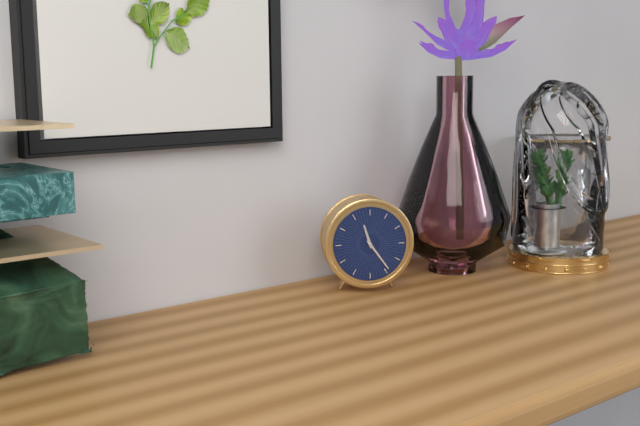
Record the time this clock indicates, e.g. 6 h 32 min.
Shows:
11 h 24 min
